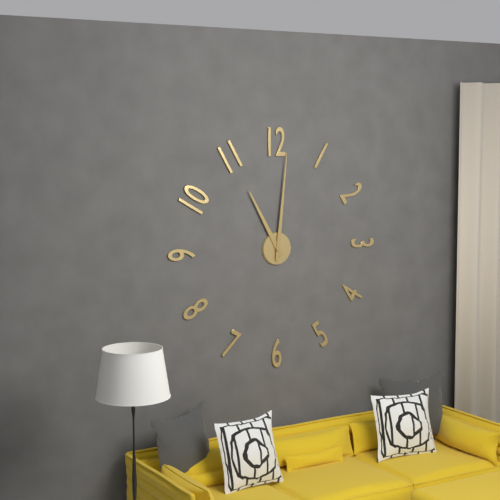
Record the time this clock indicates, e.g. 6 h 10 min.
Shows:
11 h 01 min
